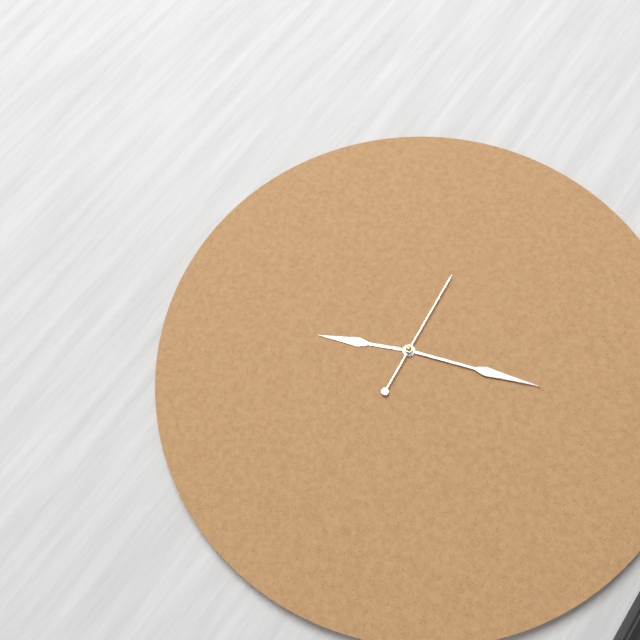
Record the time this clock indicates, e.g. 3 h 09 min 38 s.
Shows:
8 h 12 min 59 s
